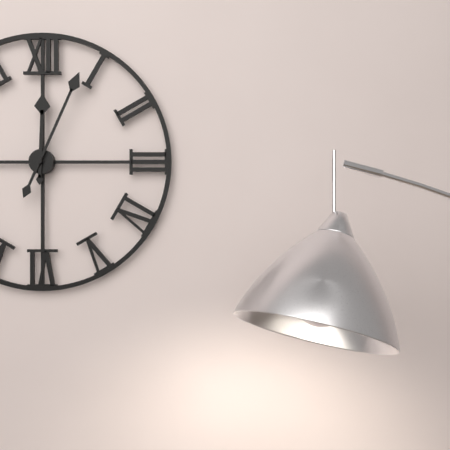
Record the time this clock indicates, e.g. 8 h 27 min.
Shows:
12 h 04 min
